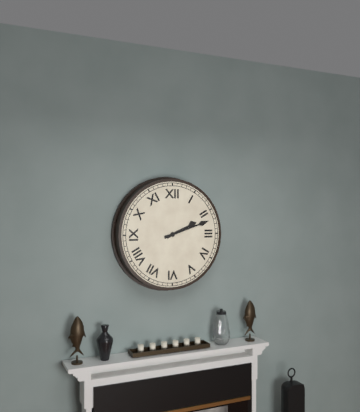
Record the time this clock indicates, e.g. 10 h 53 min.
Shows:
2 h 12 min
